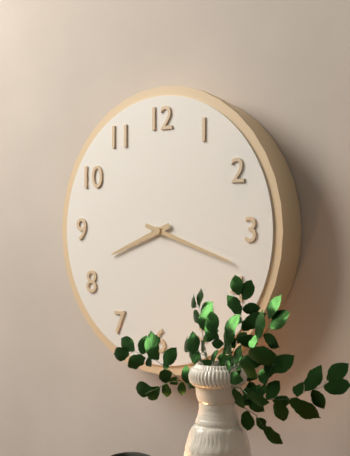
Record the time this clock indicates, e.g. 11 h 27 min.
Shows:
8 h 18 min
